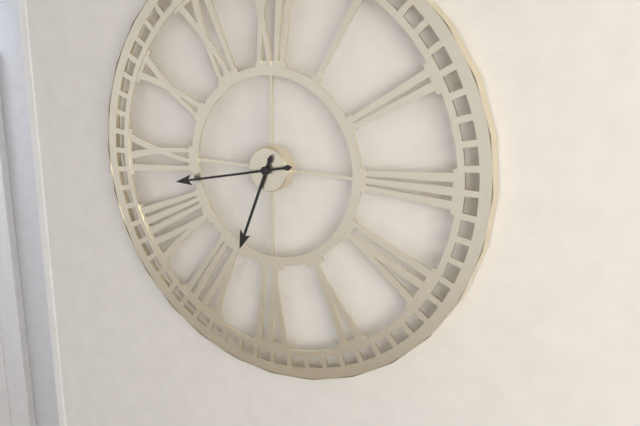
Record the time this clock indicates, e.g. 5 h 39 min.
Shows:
6 h 43 min
